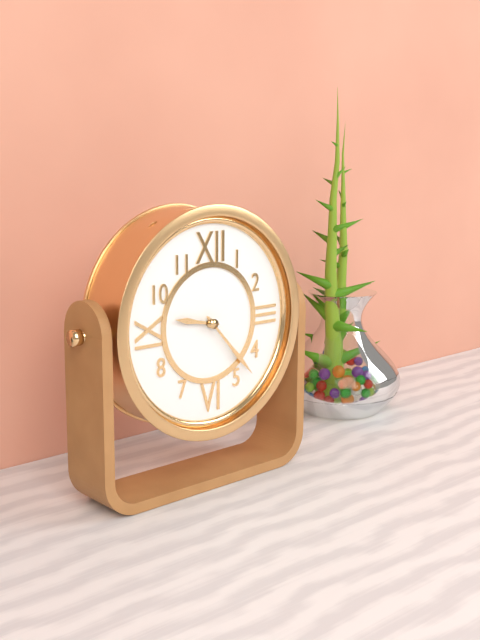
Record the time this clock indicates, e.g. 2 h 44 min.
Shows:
9 h 23 min
